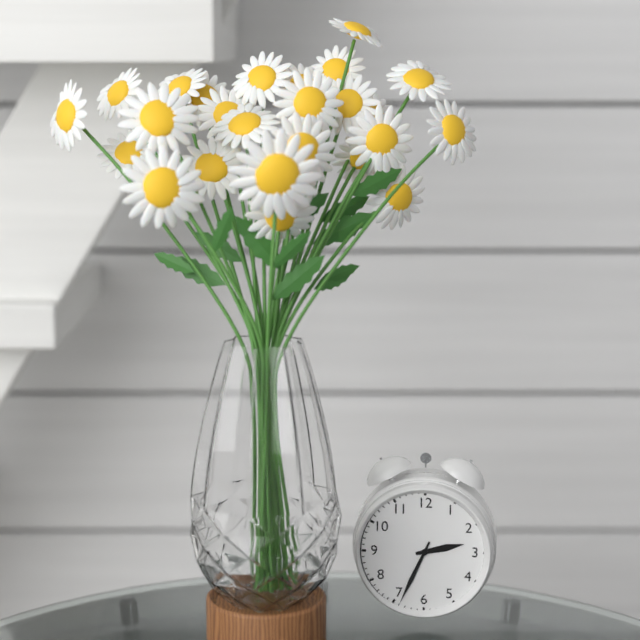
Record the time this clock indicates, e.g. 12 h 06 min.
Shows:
2 h 34 min
